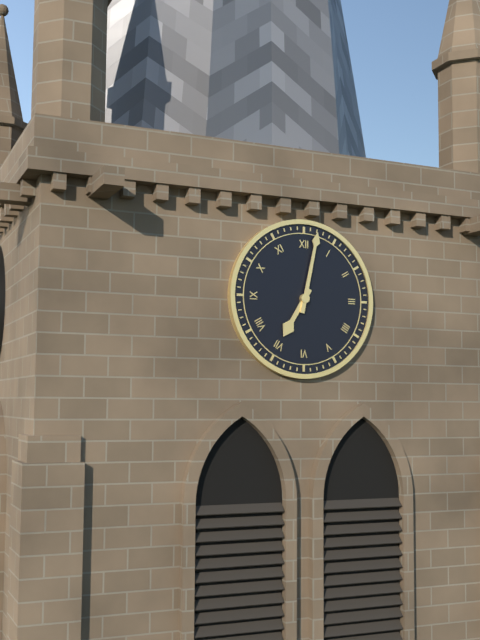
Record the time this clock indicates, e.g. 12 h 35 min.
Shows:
7 h 02 min
